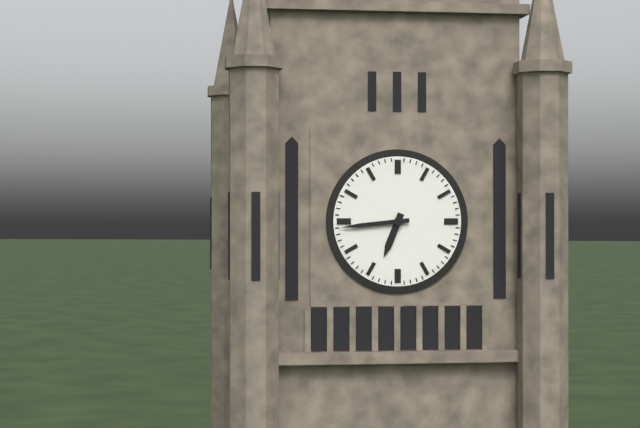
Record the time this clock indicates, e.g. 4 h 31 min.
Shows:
6 h 44 min
